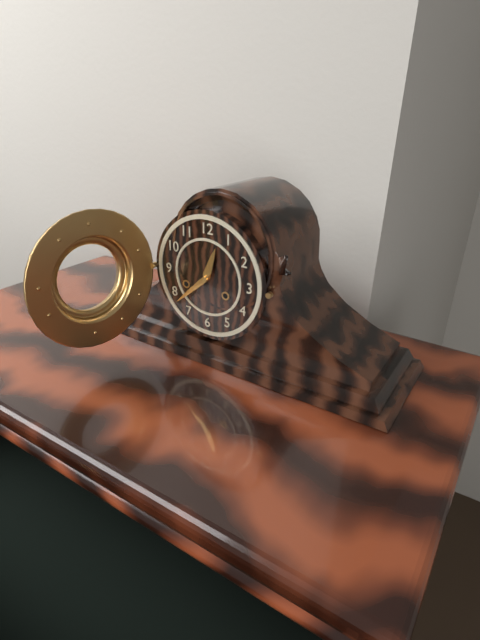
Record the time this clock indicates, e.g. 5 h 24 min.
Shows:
12 h 38 min
